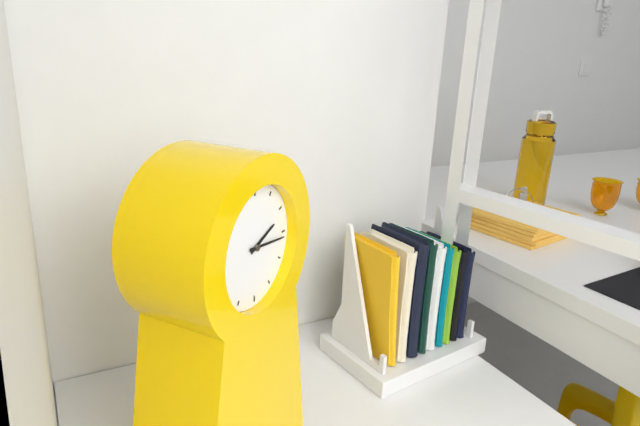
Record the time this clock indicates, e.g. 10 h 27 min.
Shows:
2 h 16 min
